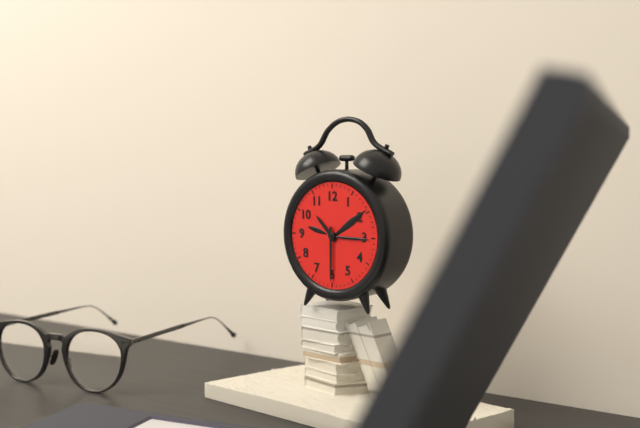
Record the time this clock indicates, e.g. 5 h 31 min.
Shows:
10 h 30 min
